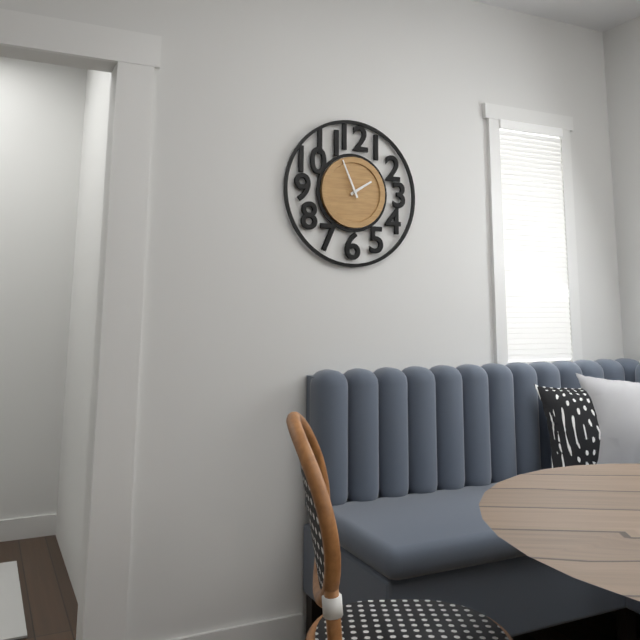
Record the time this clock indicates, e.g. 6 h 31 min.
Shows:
1 h 56 min
